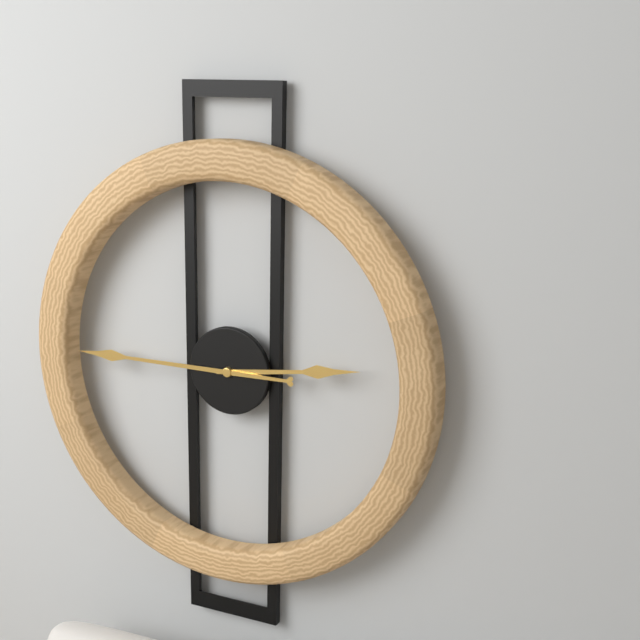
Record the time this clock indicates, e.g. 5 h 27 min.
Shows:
2 h 45 min
